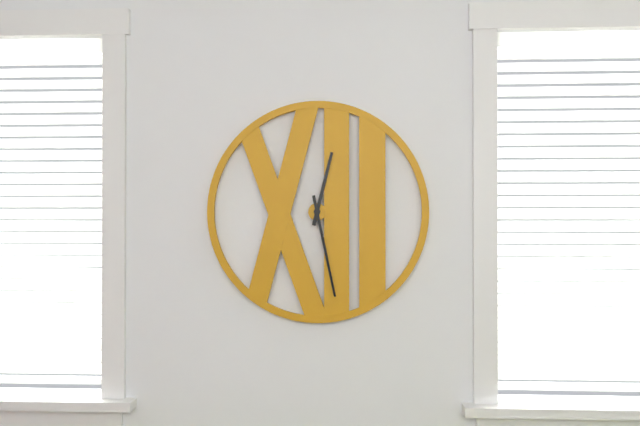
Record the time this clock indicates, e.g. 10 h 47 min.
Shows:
12 h 28 min
